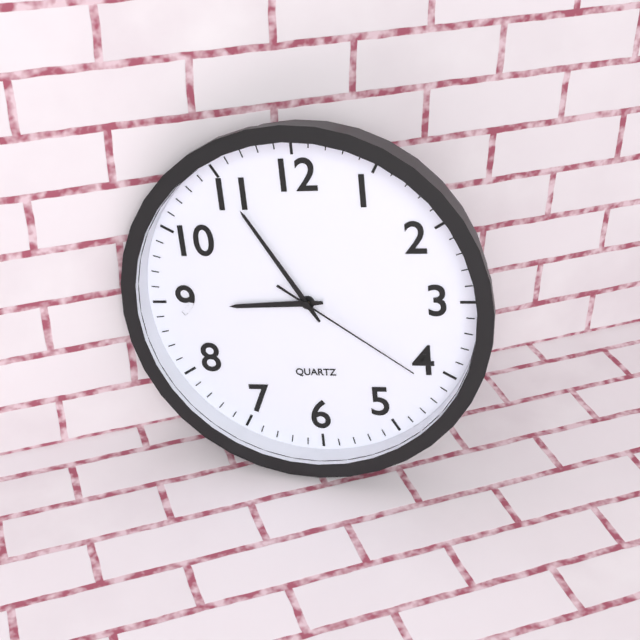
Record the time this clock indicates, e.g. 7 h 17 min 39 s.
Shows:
8 h 55 min 21 s
